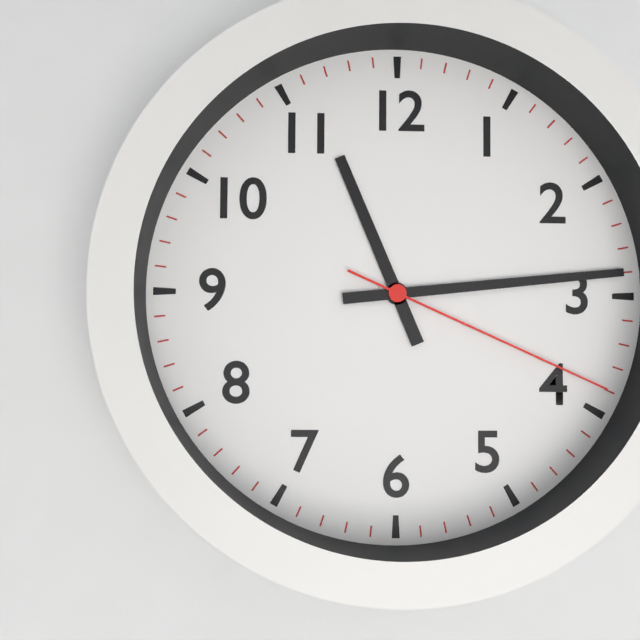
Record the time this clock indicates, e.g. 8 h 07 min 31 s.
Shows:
11 h 14 min 19 s
